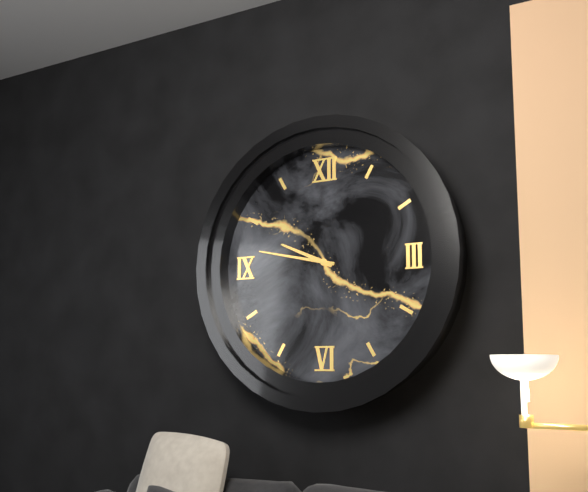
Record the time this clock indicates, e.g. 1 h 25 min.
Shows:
9 h 47 min
